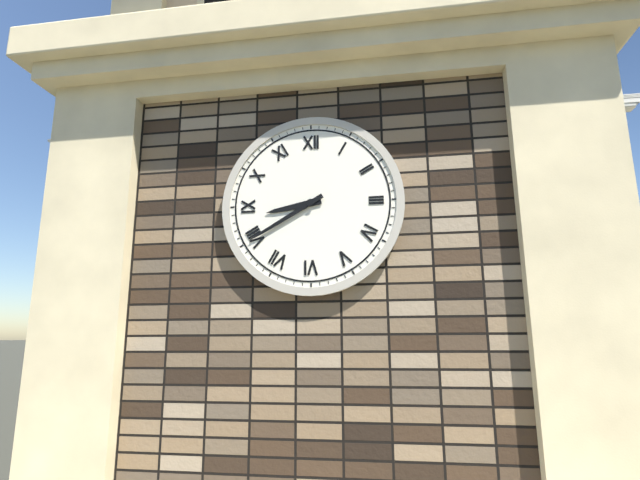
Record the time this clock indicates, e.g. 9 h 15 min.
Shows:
8 h 40 min
